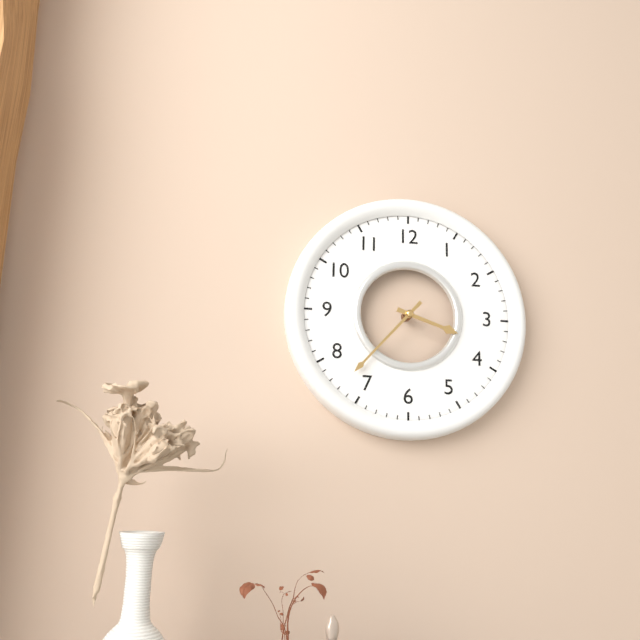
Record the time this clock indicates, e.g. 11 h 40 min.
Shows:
3 h 37 min
